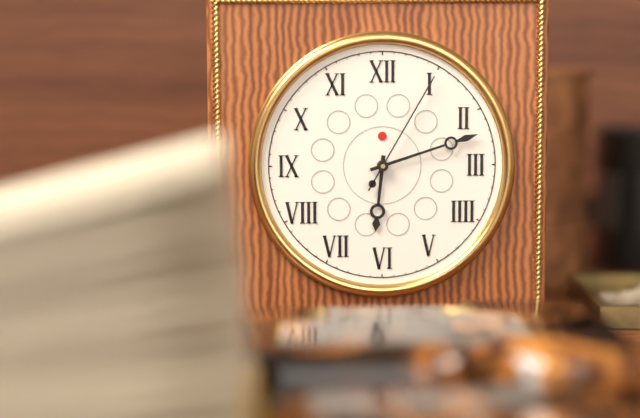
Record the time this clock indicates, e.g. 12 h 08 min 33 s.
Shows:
6 h 12 min 05 s
